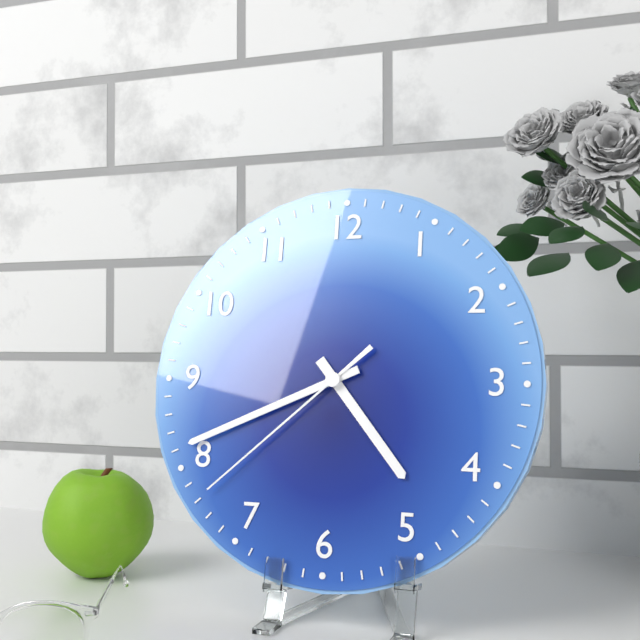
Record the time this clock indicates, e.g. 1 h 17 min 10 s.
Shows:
4 h 41 min 38 s
